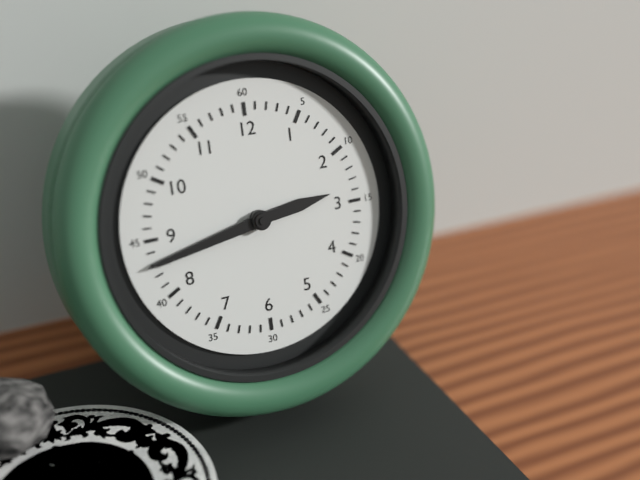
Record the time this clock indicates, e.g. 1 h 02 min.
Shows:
2 h 43 min
